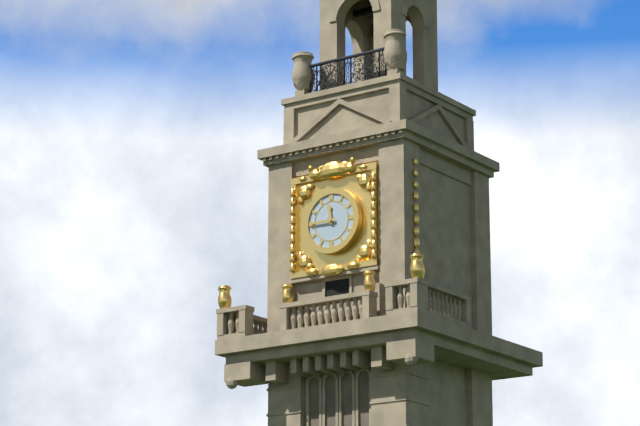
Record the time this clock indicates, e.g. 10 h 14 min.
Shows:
11 h 45 min
